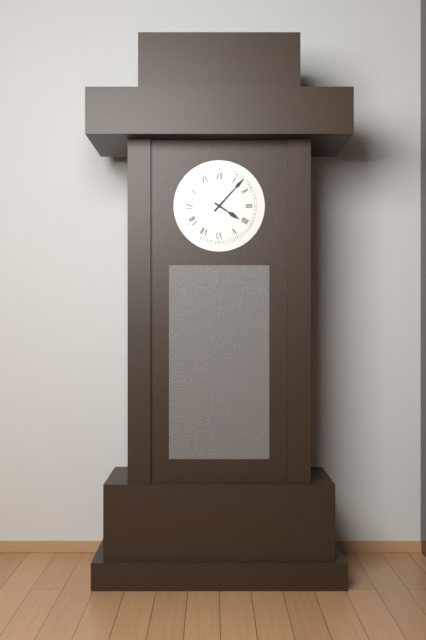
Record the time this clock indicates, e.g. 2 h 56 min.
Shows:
4 h 07 min
